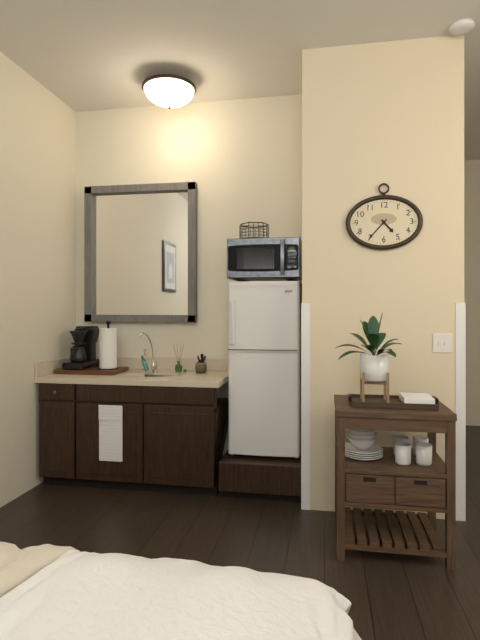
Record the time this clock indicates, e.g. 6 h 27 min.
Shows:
4 h 37 min
